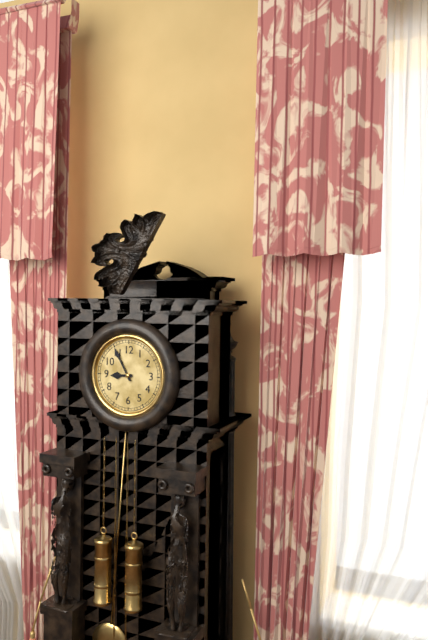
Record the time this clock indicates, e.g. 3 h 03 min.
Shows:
8 h 55 min
